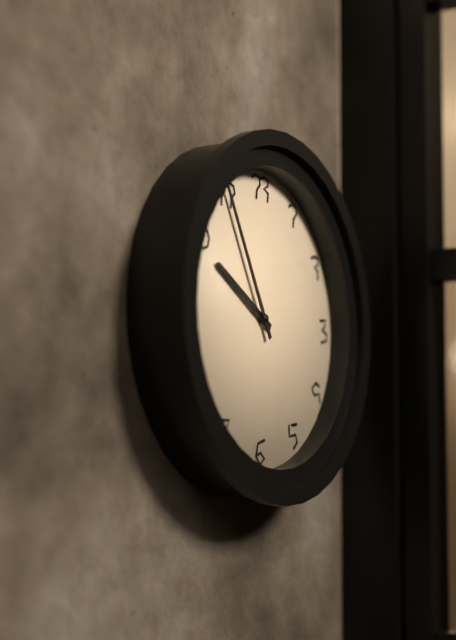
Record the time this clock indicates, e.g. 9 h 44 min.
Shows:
9 h 55 min
